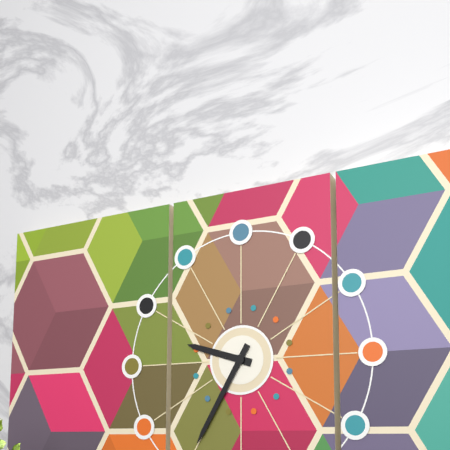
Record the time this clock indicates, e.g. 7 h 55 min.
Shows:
9 h 35 min
